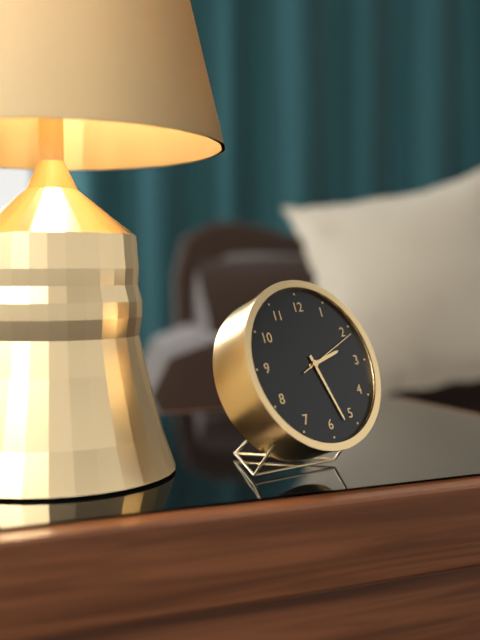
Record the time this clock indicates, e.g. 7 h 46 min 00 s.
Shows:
2 h 27 min 11 s
